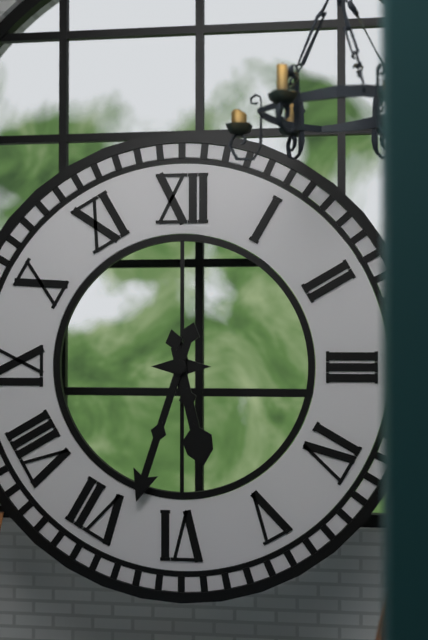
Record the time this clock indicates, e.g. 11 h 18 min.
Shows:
5 h 33 min
